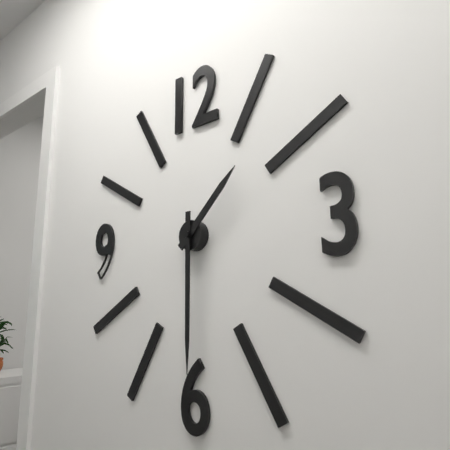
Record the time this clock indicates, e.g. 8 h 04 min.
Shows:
1 h 30 min
